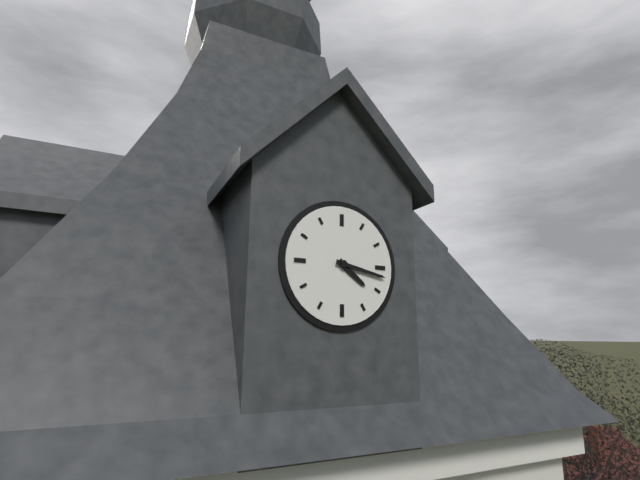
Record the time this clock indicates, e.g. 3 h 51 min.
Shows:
4 h 17 min
